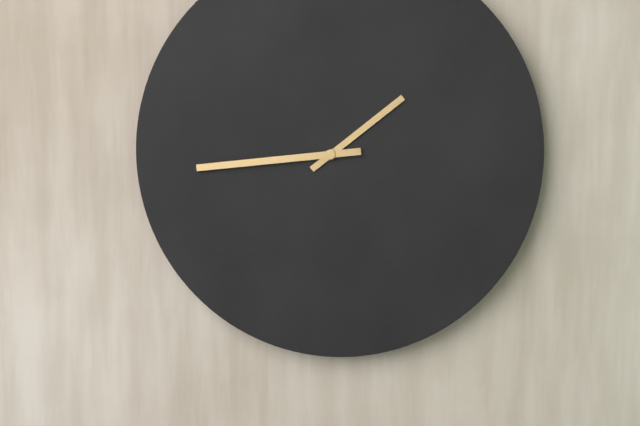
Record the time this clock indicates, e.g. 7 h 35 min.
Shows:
1 h 44 min
